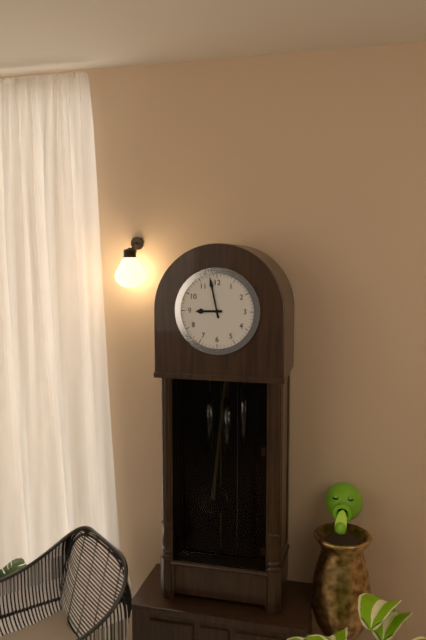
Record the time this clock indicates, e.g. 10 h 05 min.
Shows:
8 h 58 min
